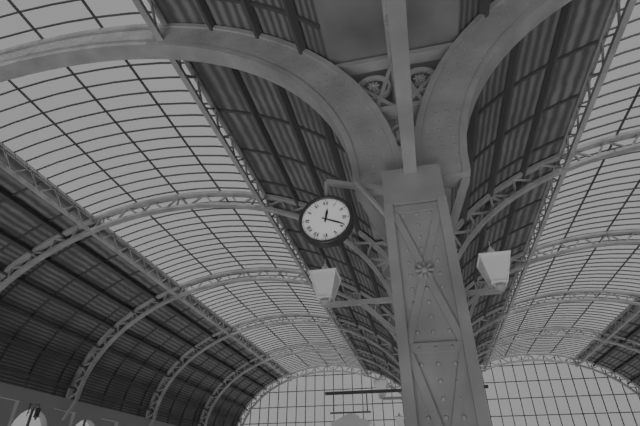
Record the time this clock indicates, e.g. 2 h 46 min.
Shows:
12 h 19 min
